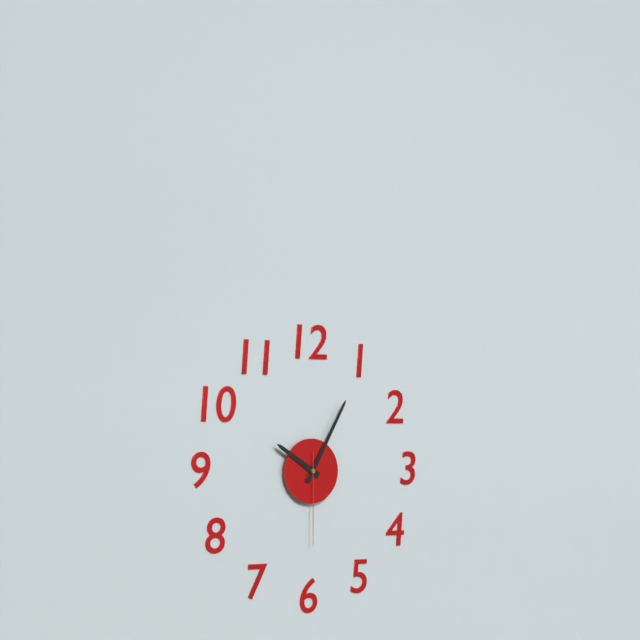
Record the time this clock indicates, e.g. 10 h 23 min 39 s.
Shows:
10 h 05 min 30 s
